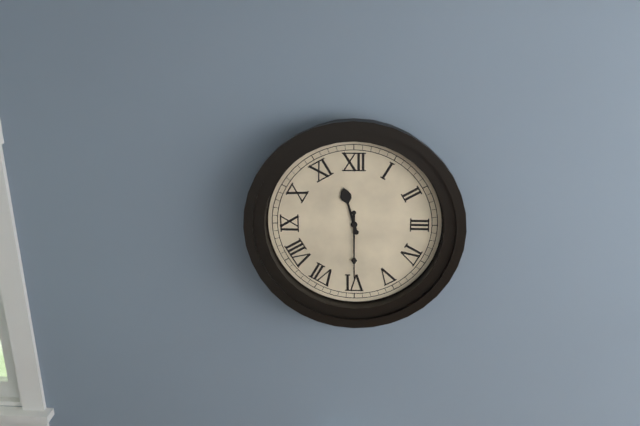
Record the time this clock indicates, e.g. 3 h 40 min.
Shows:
11 h 30 min
